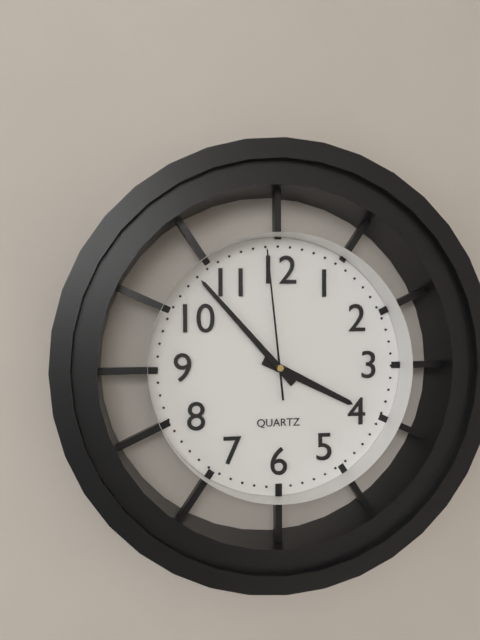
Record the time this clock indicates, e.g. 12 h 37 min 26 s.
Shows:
3 h 53 min 59 s
